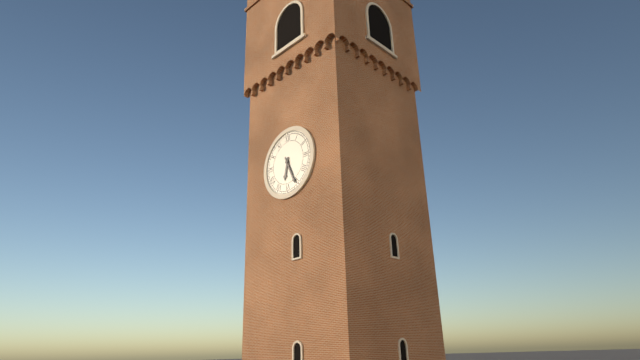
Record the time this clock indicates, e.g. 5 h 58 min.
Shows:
6 h 26 min
